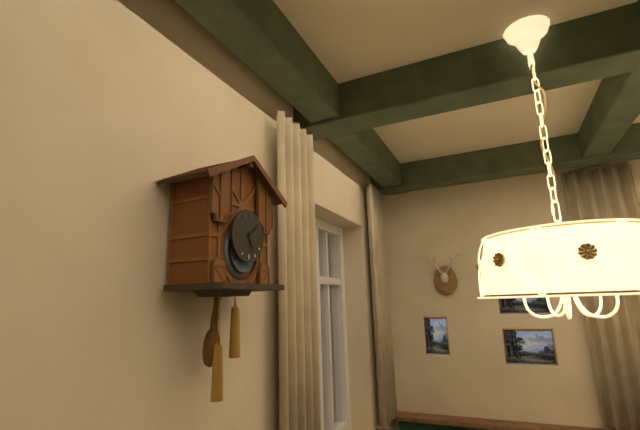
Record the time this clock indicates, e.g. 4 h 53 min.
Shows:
5 h 08 min
